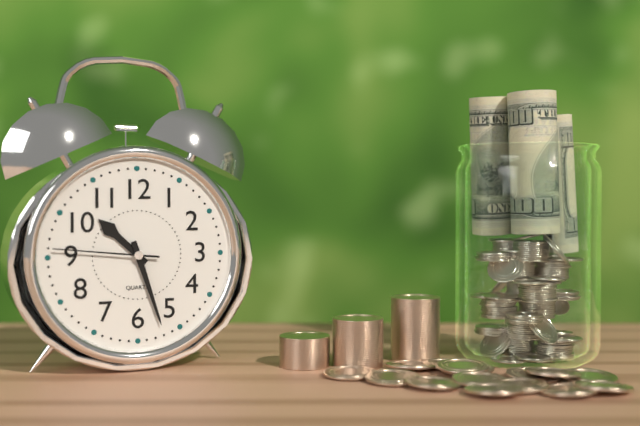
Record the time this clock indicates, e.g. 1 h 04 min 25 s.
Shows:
10 h 27 min 46 s
